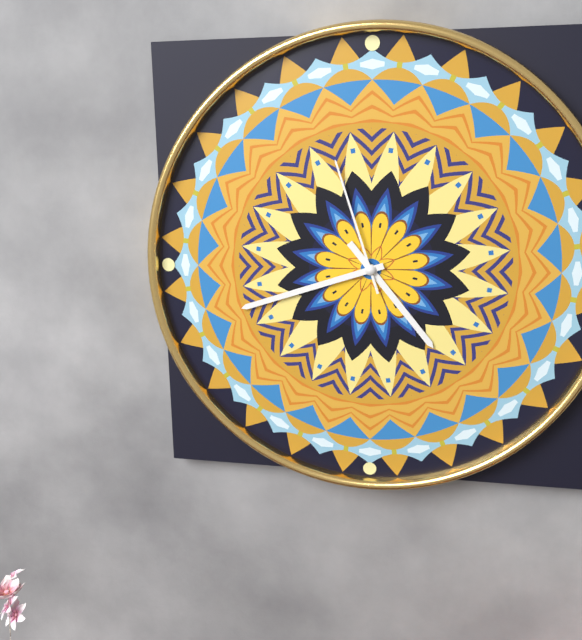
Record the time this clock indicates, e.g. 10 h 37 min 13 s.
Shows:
4 h 42 min 57 s
